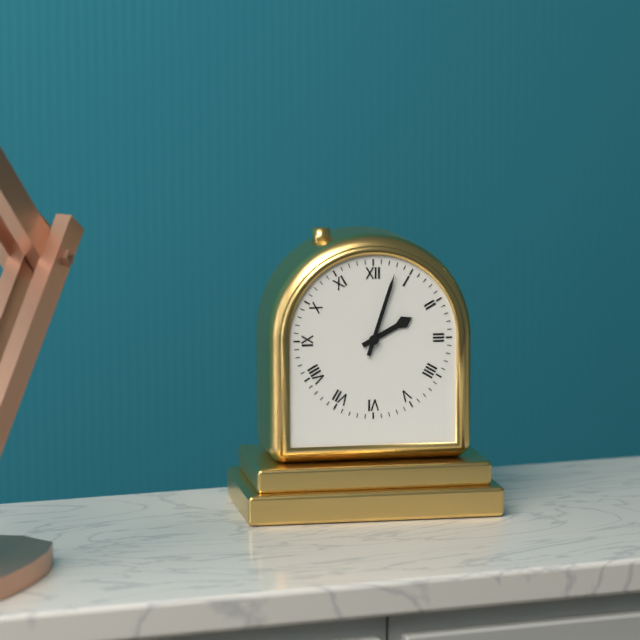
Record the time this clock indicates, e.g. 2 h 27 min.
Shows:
2 h 03 min
